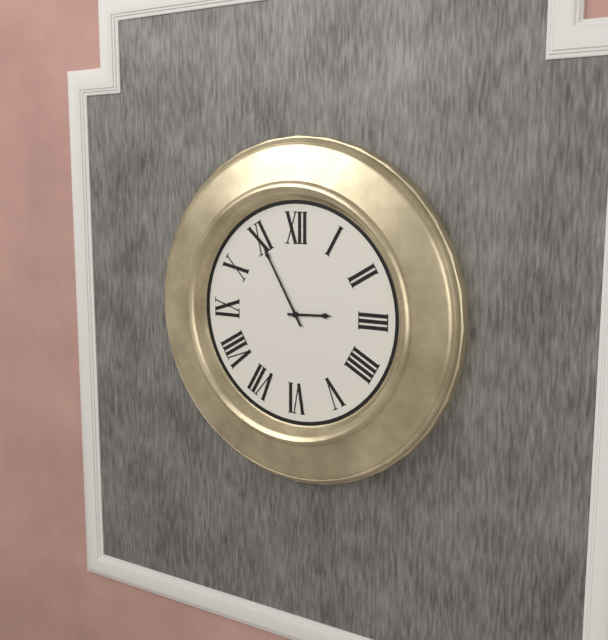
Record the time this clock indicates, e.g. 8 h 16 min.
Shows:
2 h 55 min
